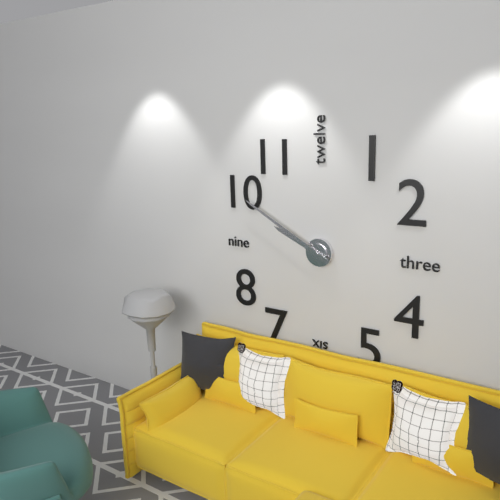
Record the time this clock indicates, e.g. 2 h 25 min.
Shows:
9 h 50 min
